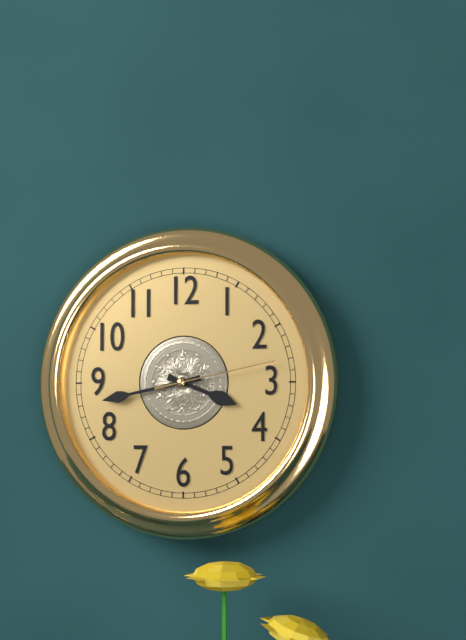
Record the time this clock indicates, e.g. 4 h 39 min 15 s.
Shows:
3 h 43 min 13 s
